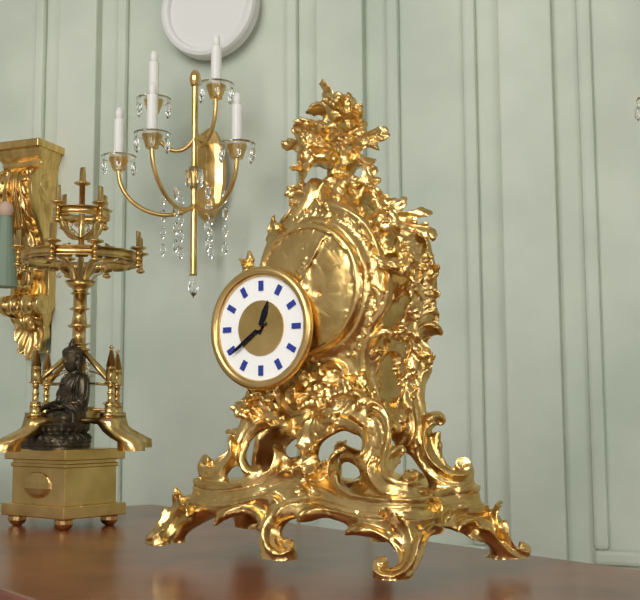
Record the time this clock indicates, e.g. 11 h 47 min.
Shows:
12 h 39 min
